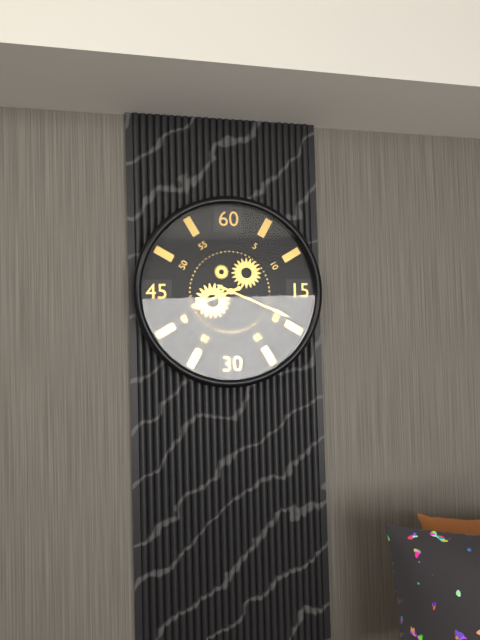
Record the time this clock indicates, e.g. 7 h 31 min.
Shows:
8 h 19 min
